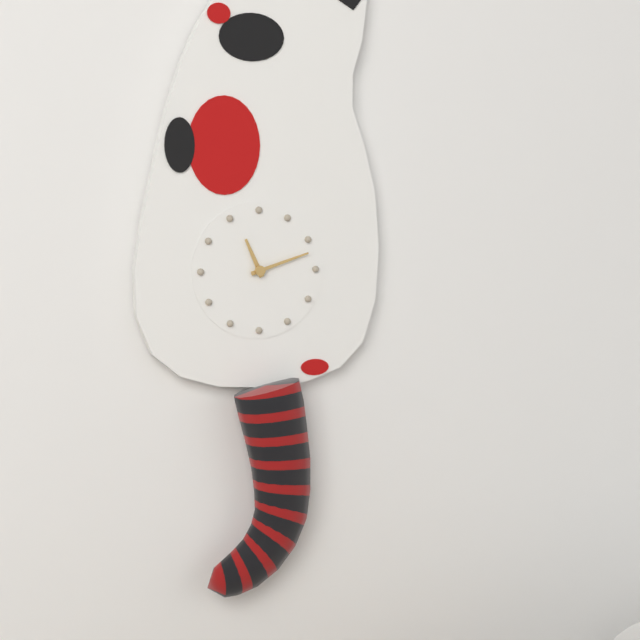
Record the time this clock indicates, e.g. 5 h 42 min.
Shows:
11 h 12 min
